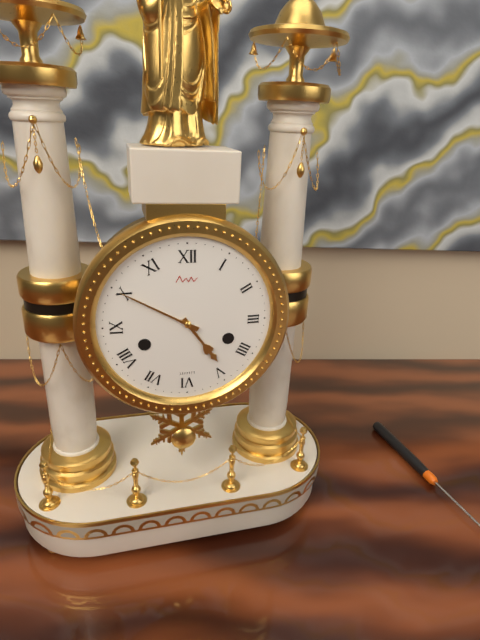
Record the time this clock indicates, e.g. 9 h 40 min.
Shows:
4 h 50 min
